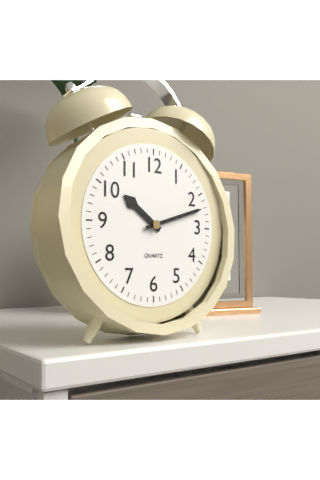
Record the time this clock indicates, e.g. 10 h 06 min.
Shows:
10 h 12 min
